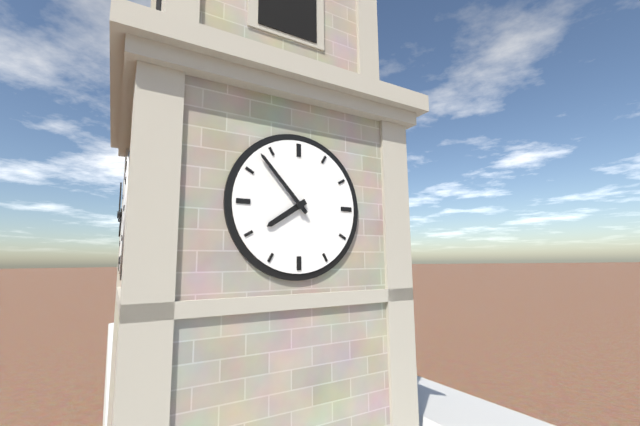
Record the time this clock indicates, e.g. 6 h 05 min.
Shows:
7 h 53 min
